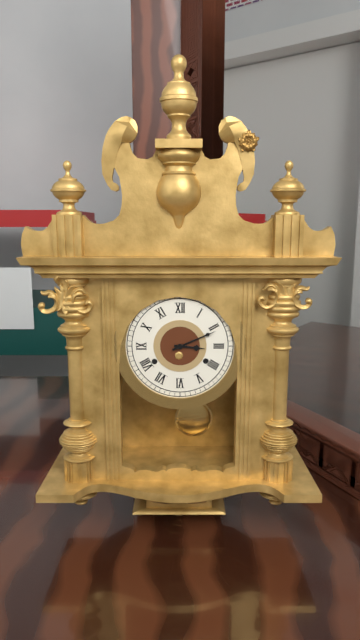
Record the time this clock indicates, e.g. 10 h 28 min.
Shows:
3 h 11 min
